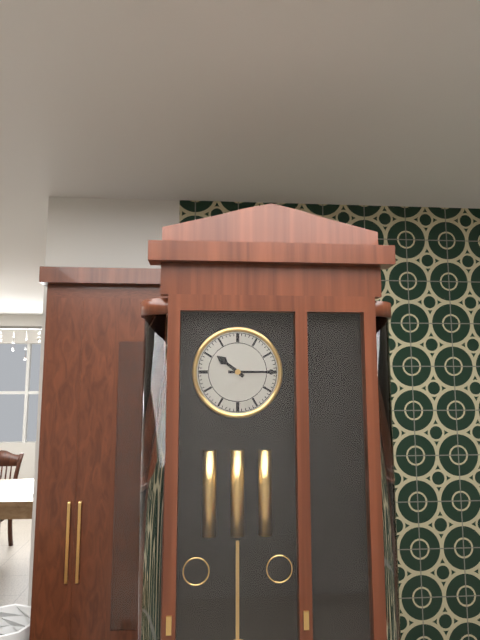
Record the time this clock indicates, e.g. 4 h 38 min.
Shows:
10 h 15 min
